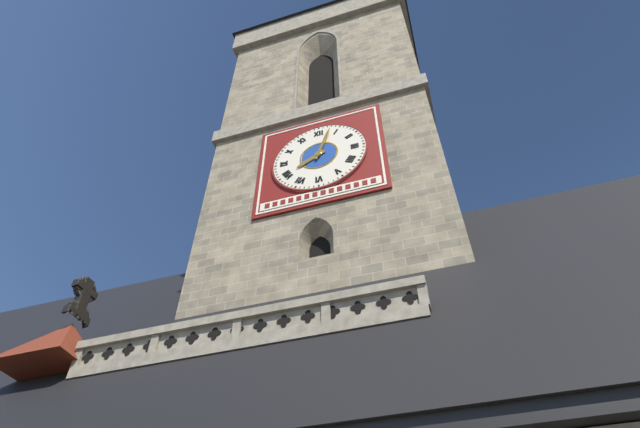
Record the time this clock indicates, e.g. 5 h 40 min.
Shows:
8 h 03 min
